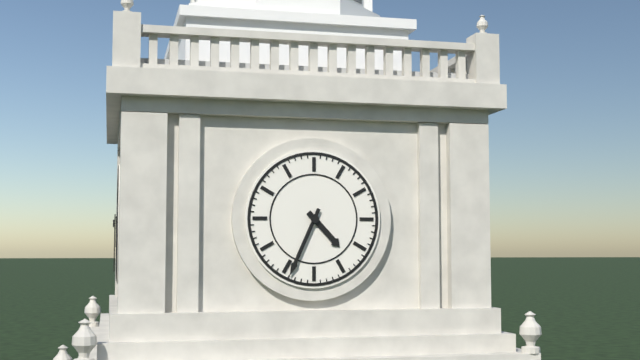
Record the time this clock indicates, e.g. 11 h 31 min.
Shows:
4 h 34 min
